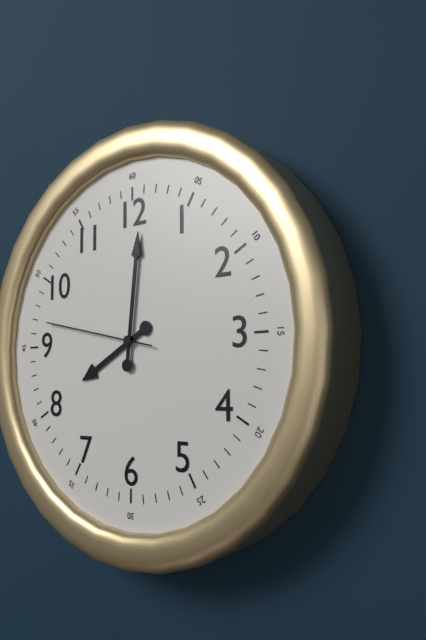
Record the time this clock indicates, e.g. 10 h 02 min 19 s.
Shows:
8 h 01 min 47 s
